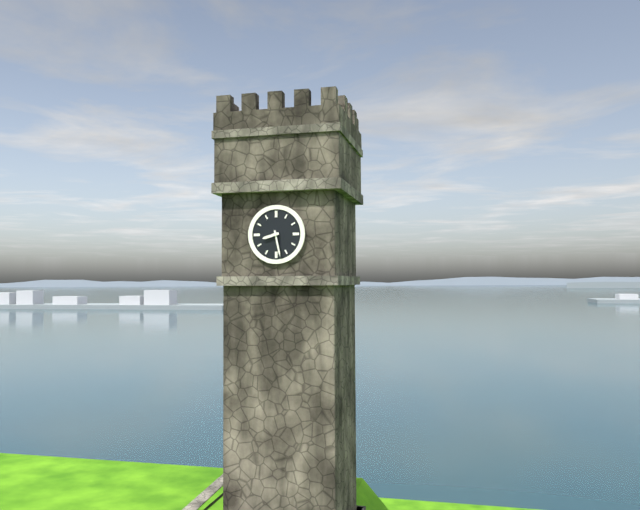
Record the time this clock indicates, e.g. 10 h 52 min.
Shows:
8 h 28 min
